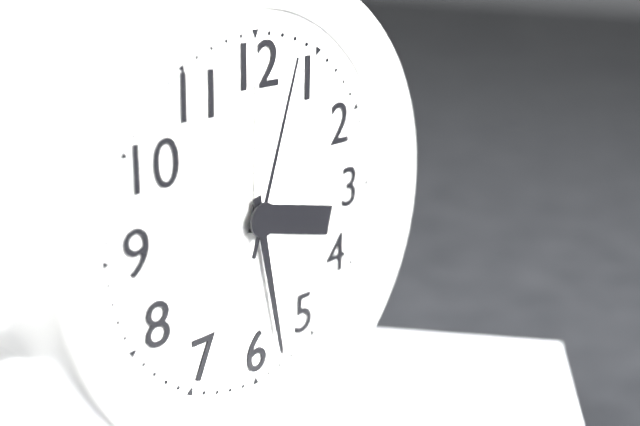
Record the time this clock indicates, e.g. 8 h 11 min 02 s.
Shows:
3 h 28 min 03 s
